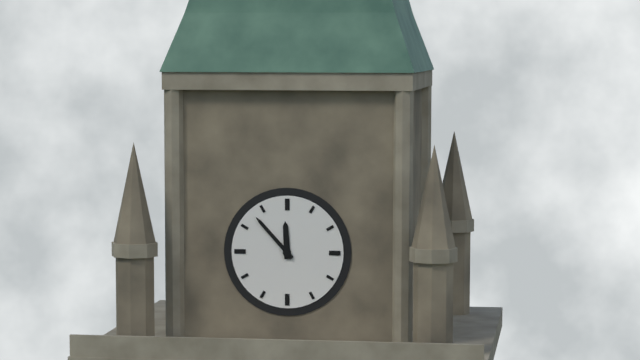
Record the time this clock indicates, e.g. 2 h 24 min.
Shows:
11 h 53 min
